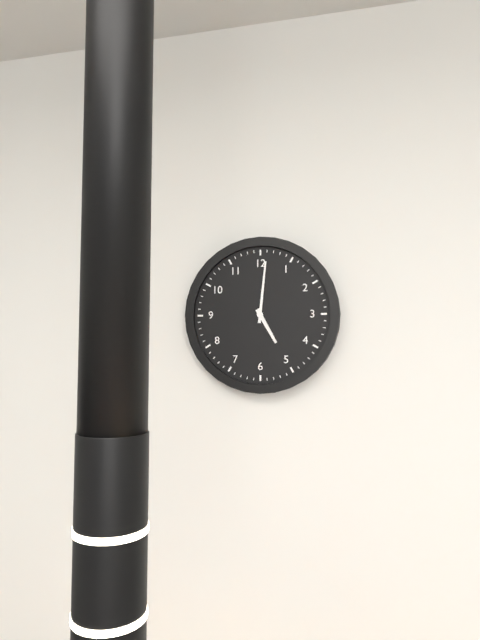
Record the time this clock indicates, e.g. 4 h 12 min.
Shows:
5 h 01 min
